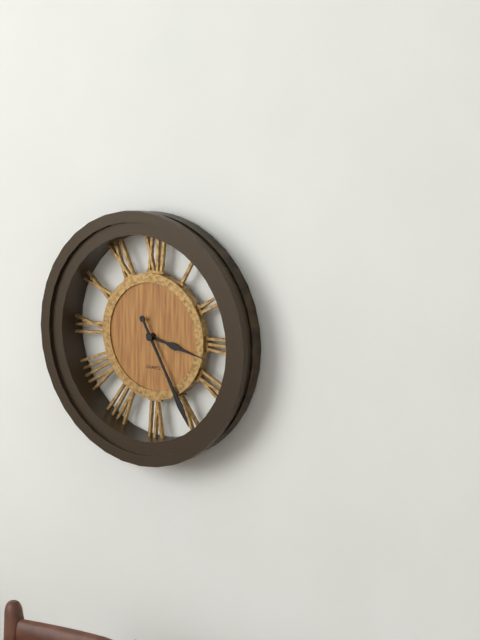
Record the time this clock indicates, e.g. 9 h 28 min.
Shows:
3 h 25 min
